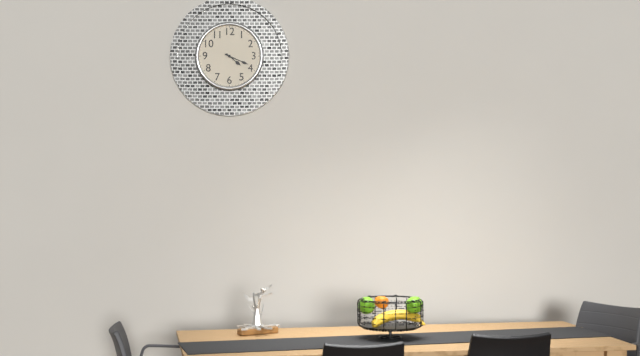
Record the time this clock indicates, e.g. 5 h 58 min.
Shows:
4 h 19 min
